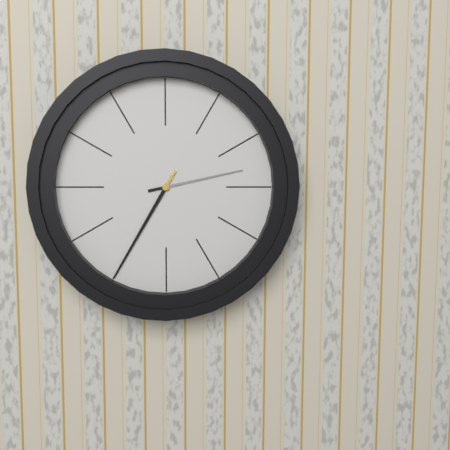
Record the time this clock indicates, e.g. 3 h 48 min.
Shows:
2 h 35 min
